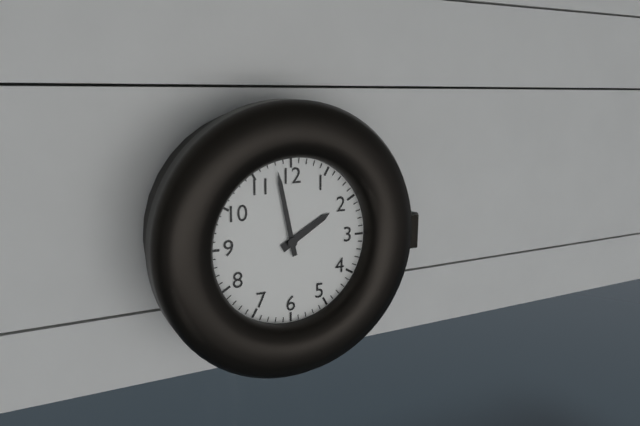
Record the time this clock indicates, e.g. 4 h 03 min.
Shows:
1 h 58 min
